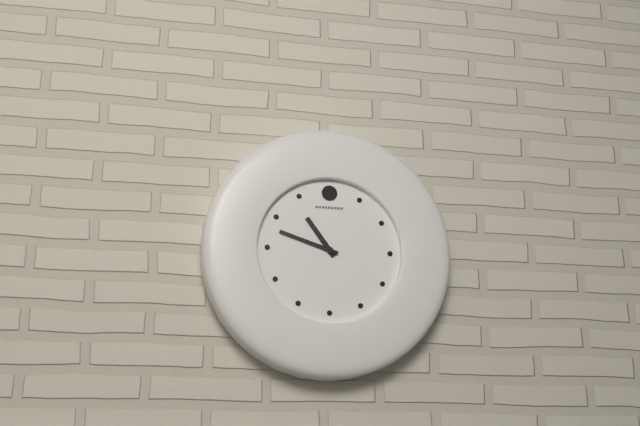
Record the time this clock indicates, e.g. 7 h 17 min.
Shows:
10 h 48 min
